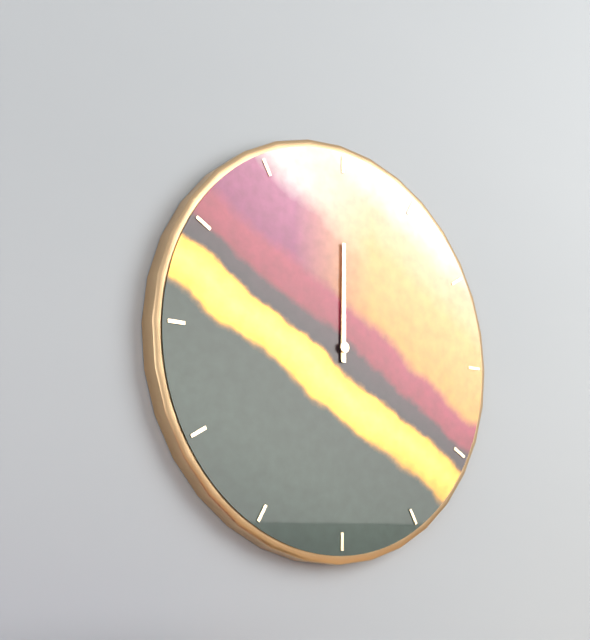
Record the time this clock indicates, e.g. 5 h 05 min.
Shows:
12 h 00 min
